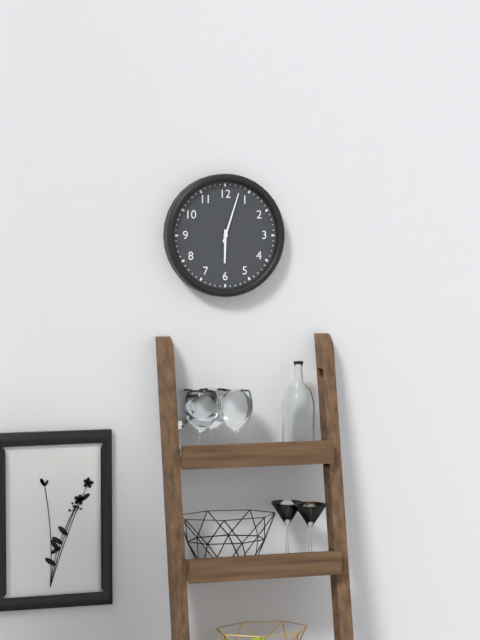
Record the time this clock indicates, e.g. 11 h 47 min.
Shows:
6 h 03 min
